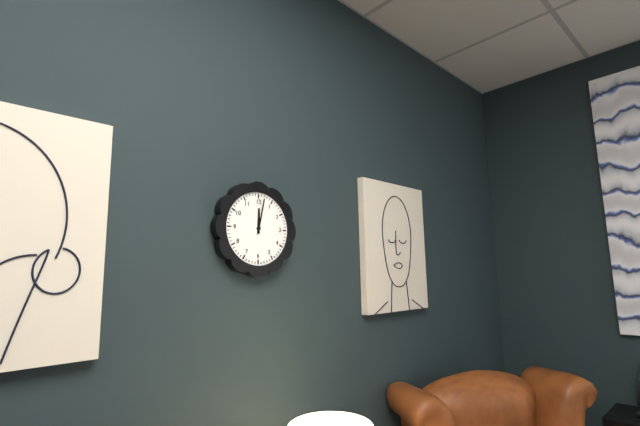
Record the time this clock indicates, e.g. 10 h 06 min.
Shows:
12 h 02 min
